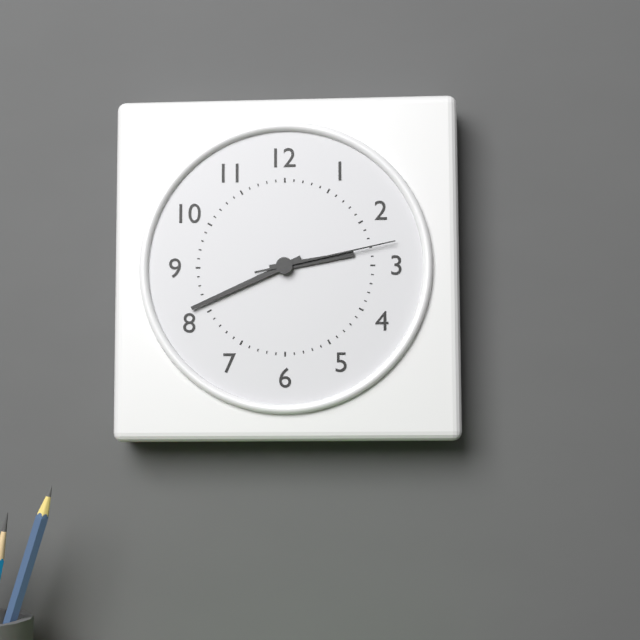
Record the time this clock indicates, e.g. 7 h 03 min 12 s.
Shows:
2 h 41 min 13 s
